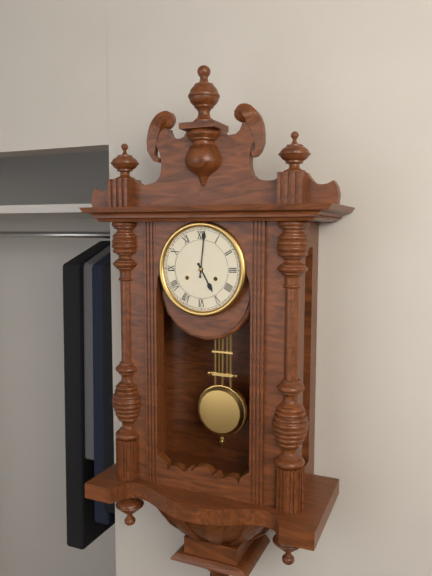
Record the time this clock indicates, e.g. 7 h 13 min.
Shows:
5 h 01 min
